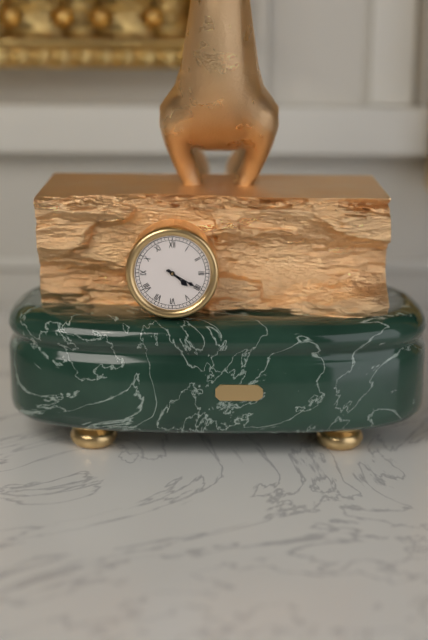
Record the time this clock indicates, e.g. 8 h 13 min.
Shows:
4 h 20 min
